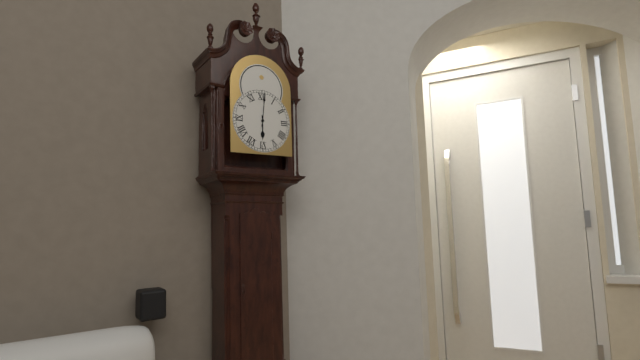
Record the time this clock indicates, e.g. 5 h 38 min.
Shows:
6 h 01 min
